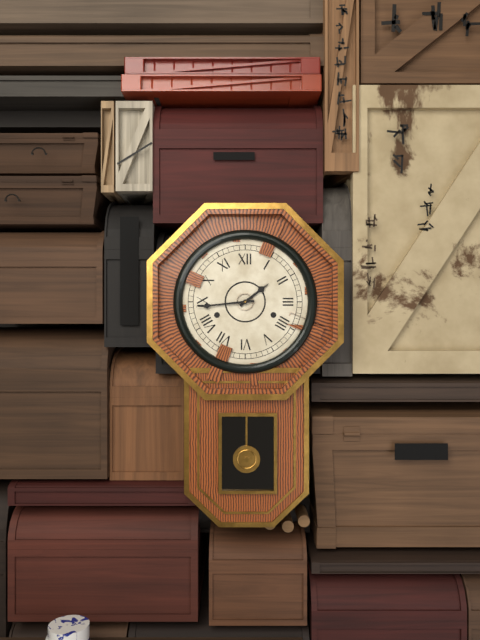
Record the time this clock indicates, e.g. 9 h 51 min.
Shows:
1 h 44 min
